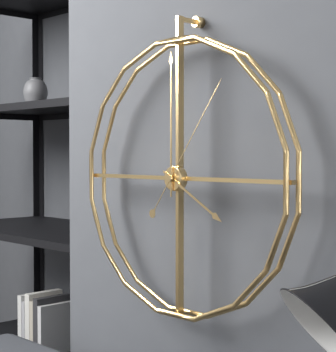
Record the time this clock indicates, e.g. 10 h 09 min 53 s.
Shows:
4 h 00 min 06 s
